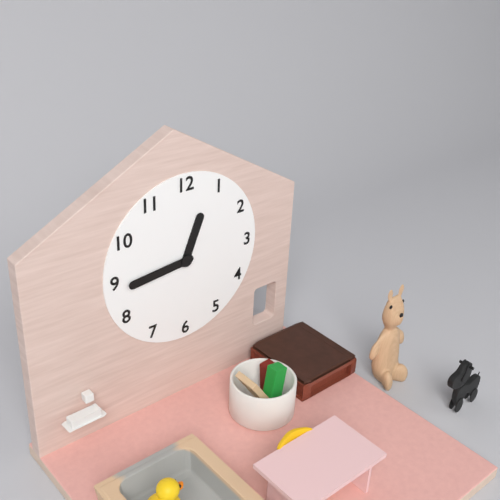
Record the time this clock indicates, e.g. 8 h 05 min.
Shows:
12 h 44 min
